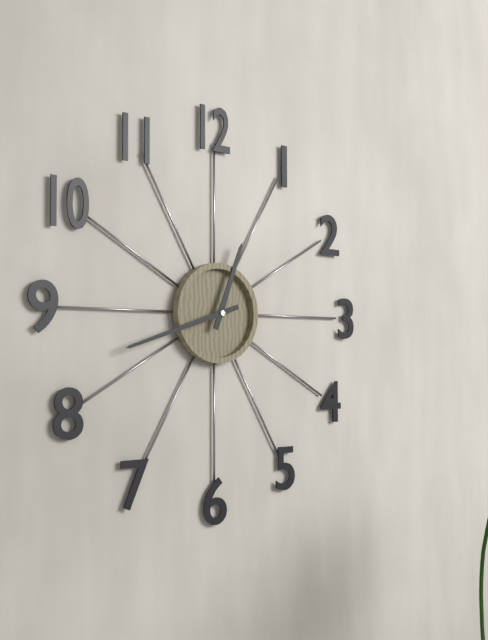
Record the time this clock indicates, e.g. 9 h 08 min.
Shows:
12 h 42 min
